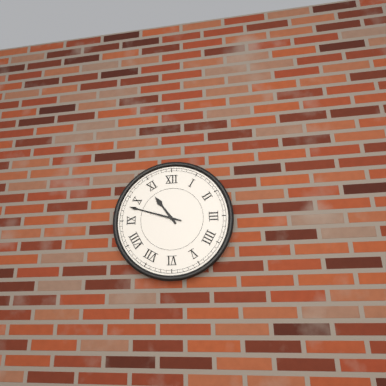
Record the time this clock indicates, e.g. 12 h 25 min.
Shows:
10 h 48 min
